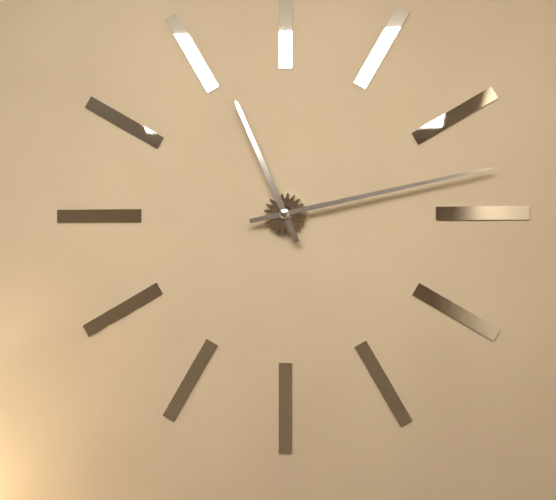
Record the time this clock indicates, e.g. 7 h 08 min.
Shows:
11 h 13 min
